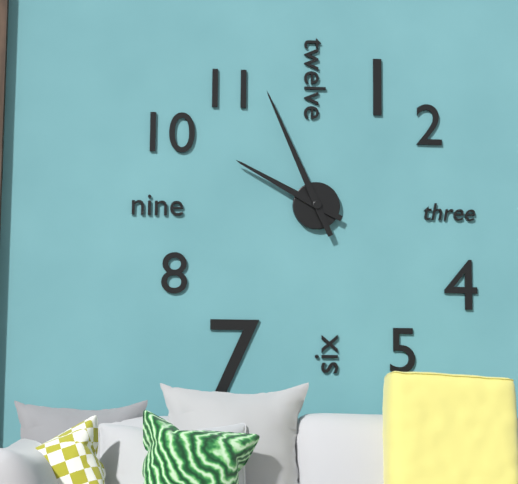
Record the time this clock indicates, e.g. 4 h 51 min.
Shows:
9 h 56 min
